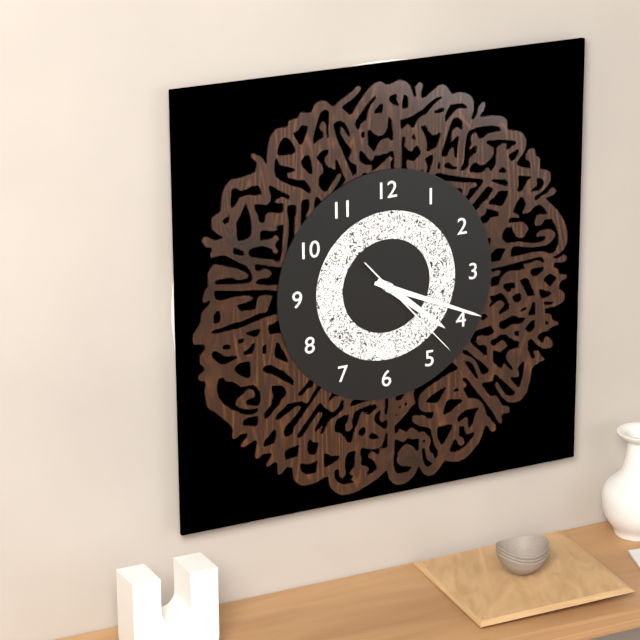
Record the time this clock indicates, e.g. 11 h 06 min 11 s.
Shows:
4 h 19 min 23 s
